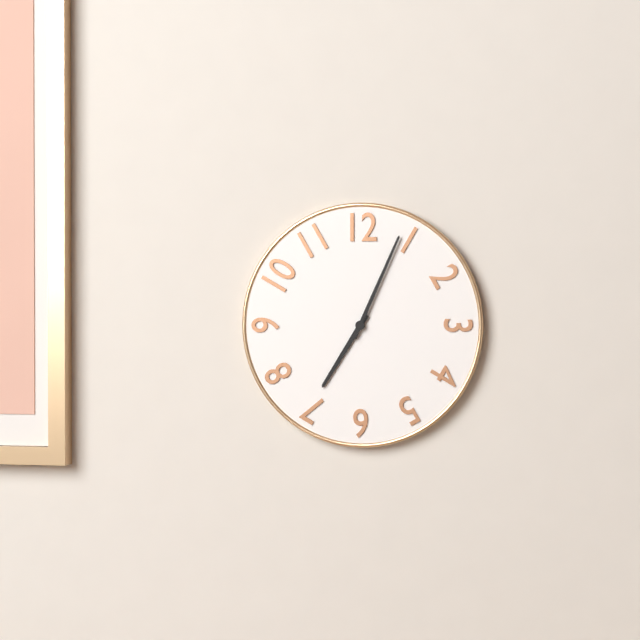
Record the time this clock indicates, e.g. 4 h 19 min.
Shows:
7 h 04 min
